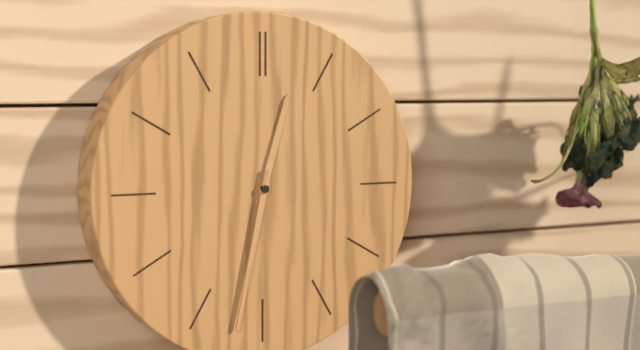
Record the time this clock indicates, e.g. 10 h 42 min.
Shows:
12 h 32 min
